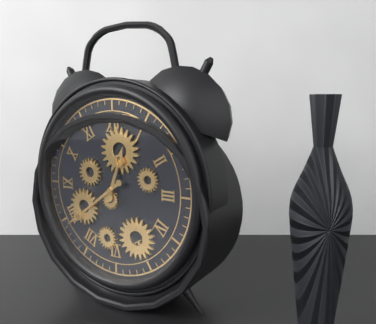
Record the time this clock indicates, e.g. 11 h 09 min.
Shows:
12 h 39 min
